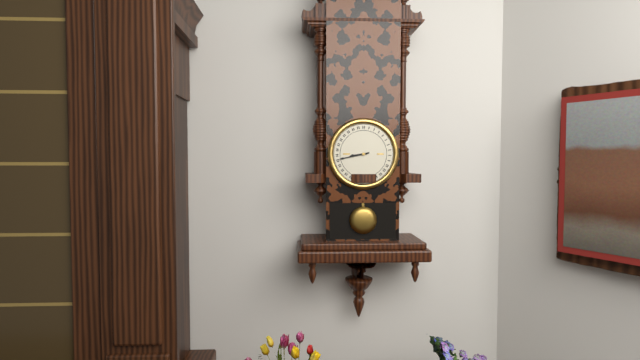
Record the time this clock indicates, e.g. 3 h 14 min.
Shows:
8 h 43 min
